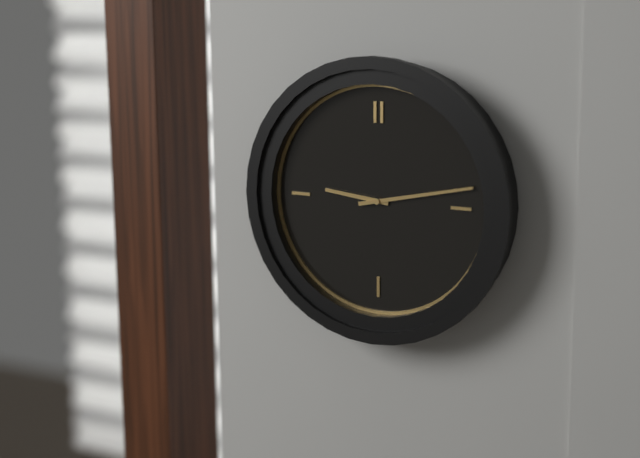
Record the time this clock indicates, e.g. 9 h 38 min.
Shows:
9 h 13 min
